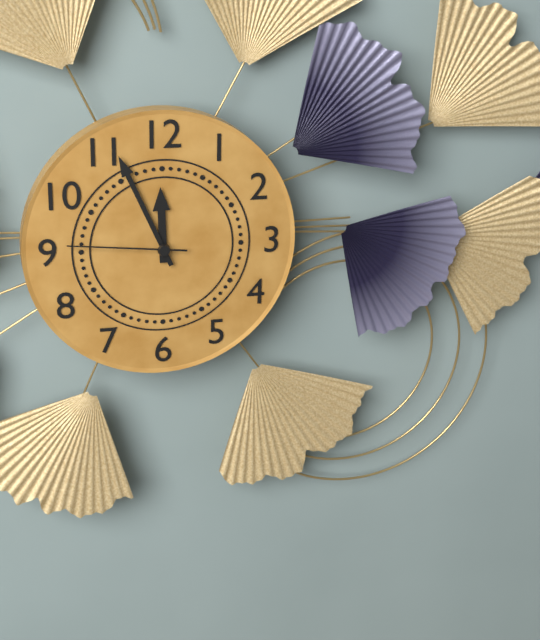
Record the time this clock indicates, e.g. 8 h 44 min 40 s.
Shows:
11 h 56 min 46 s
